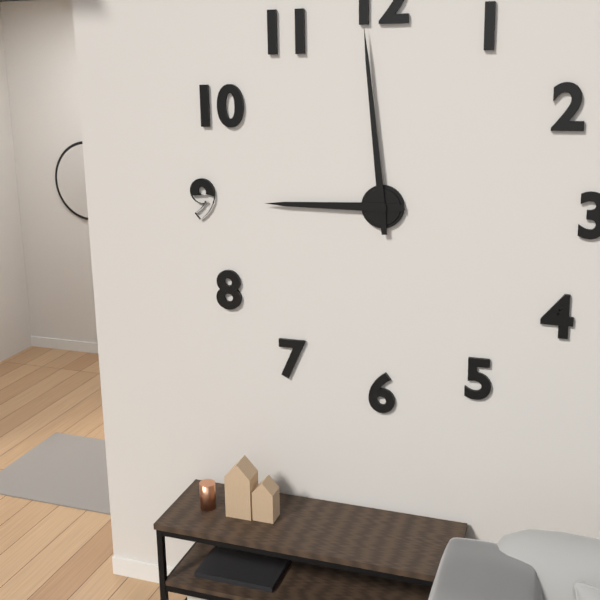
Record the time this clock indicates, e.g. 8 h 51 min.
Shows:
8 h 59 min
